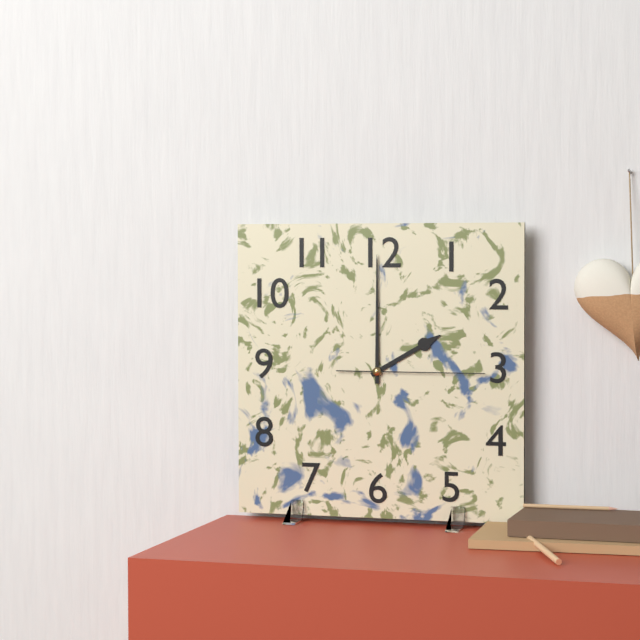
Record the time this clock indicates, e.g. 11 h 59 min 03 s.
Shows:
2 h 00 min 15 s
